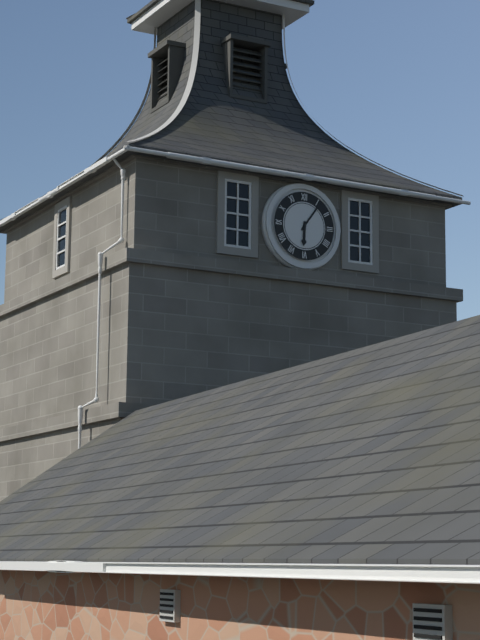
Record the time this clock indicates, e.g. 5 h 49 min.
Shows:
6 h 06 min
